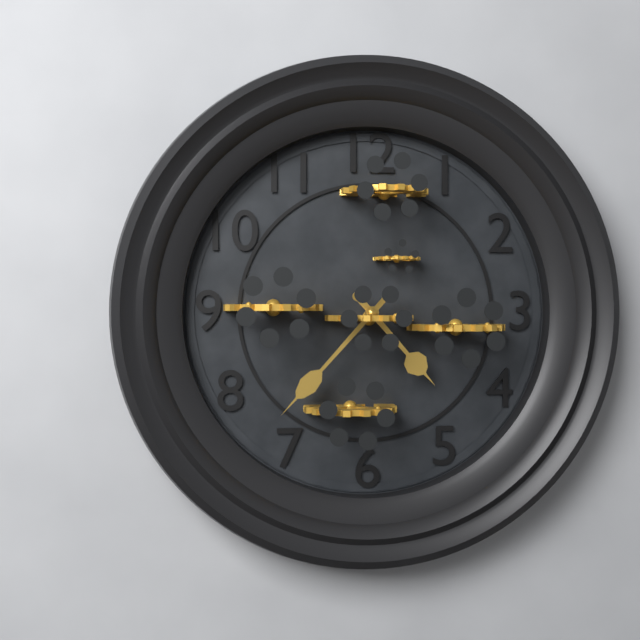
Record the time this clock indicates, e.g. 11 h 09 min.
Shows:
4 h 37 min
